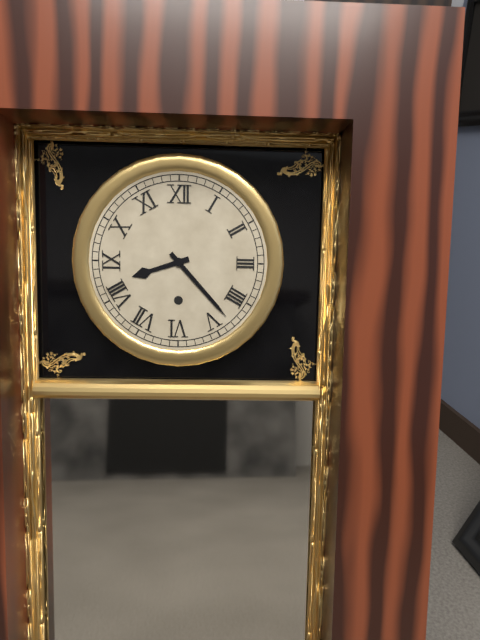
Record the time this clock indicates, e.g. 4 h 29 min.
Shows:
8 h 23 min
